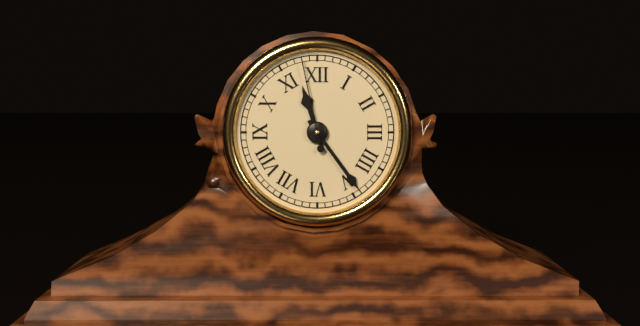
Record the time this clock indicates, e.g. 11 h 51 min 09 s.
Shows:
11 h 24 min 58 s
